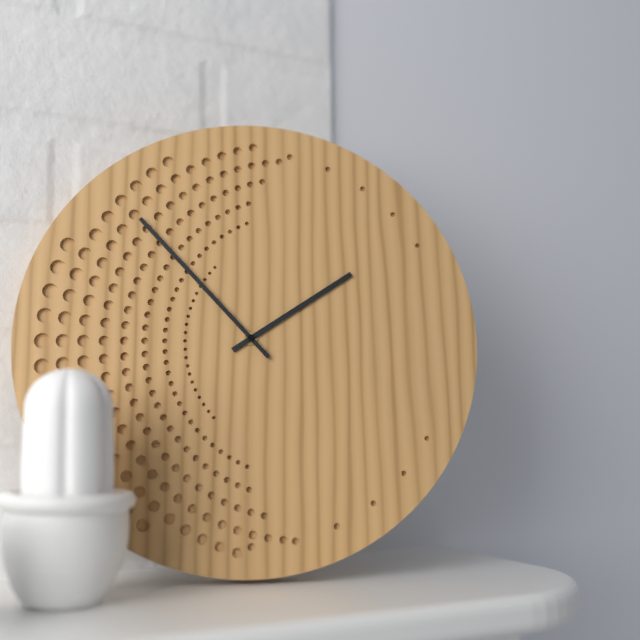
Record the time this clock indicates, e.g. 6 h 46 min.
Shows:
1 h 53 min
